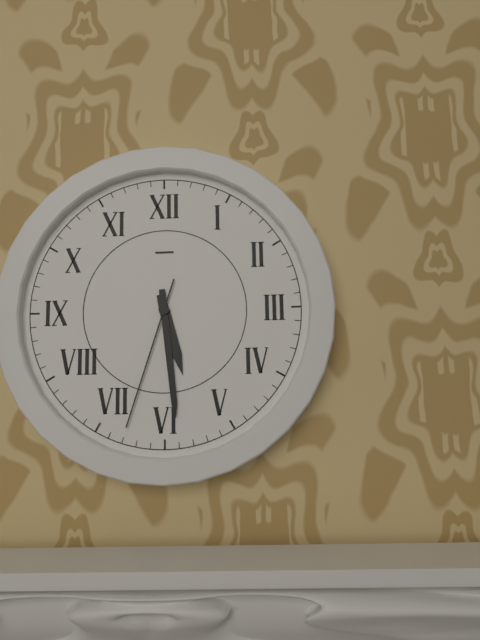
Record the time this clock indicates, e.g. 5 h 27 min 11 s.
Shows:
5 h 29 min 33 s
